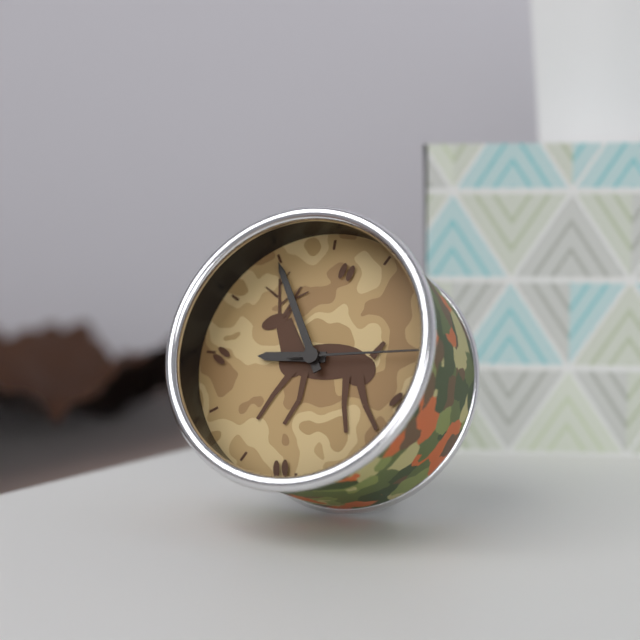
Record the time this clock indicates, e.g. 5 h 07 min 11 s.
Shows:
8 h 55 min 14 s
